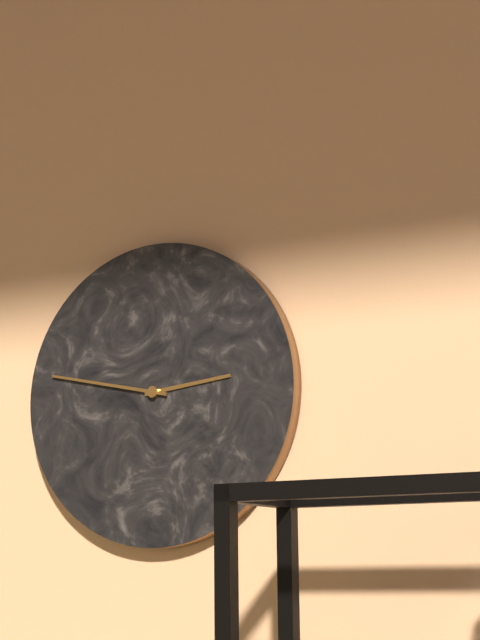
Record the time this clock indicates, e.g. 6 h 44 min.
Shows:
2 h 47 min
